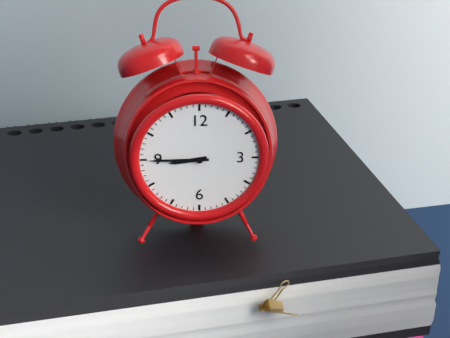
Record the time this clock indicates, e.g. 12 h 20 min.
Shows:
8 h 45 min
